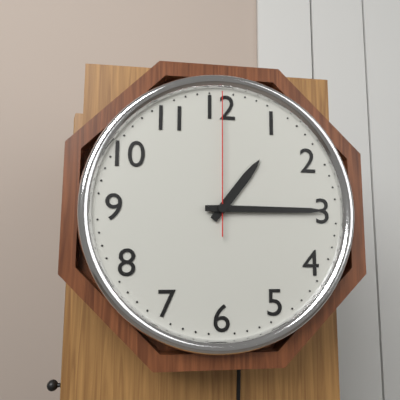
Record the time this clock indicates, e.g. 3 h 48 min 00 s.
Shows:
1 h 15 min 00 s
